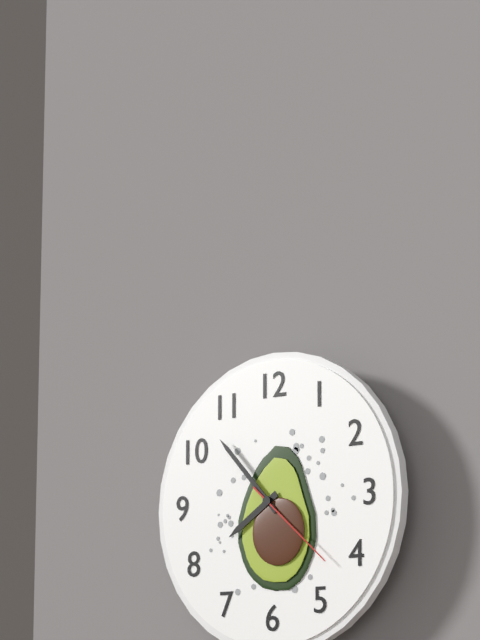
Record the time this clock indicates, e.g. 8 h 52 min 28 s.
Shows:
7 h 53 min 22 s
